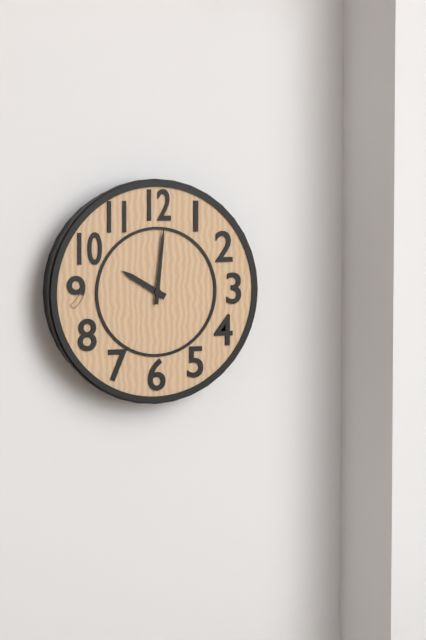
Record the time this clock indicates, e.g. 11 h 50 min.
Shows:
10 h 01 min
